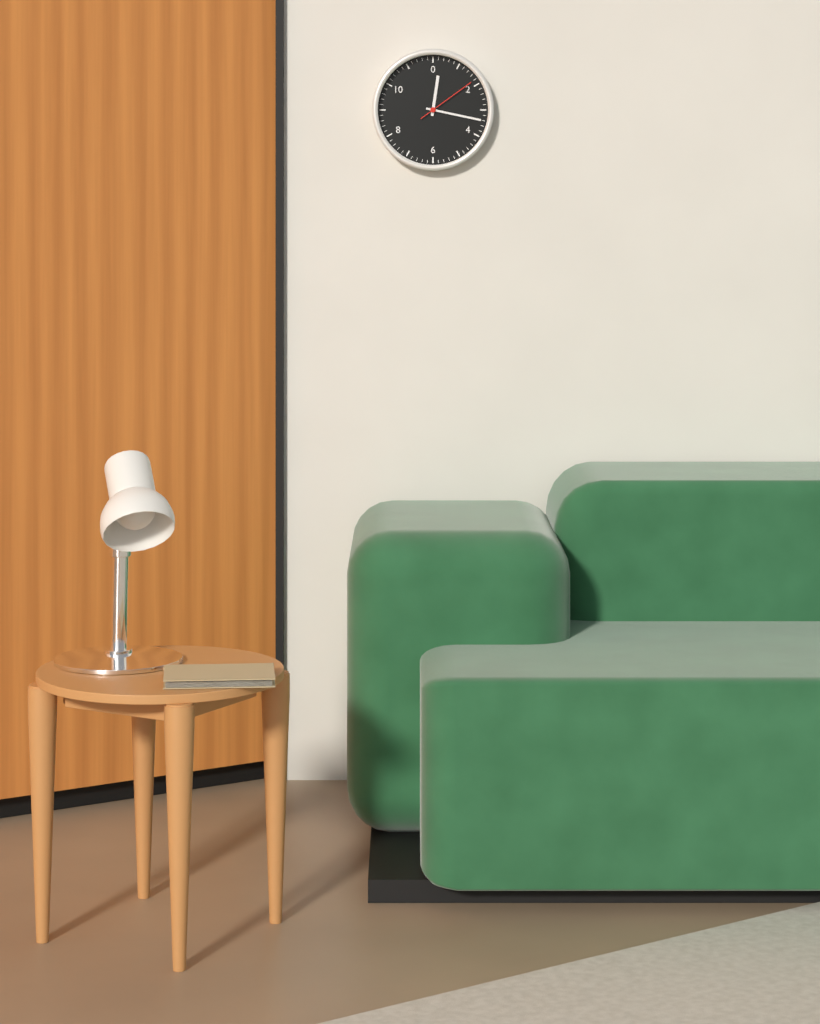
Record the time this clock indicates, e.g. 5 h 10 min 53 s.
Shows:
12 h 17 min 09 s
